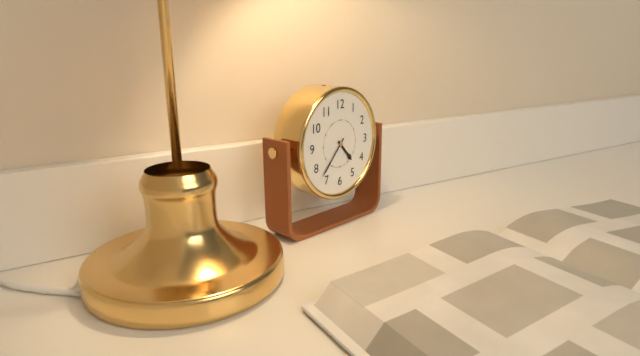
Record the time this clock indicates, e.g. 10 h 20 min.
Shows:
4 h 37 min
